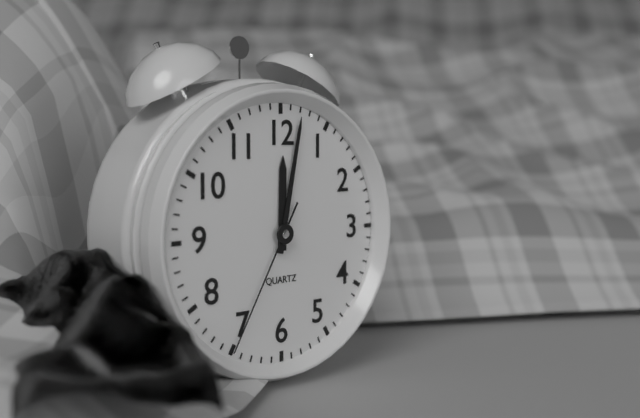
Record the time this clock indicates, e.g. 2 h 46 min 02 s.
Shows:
12 h 02 min 35 s
